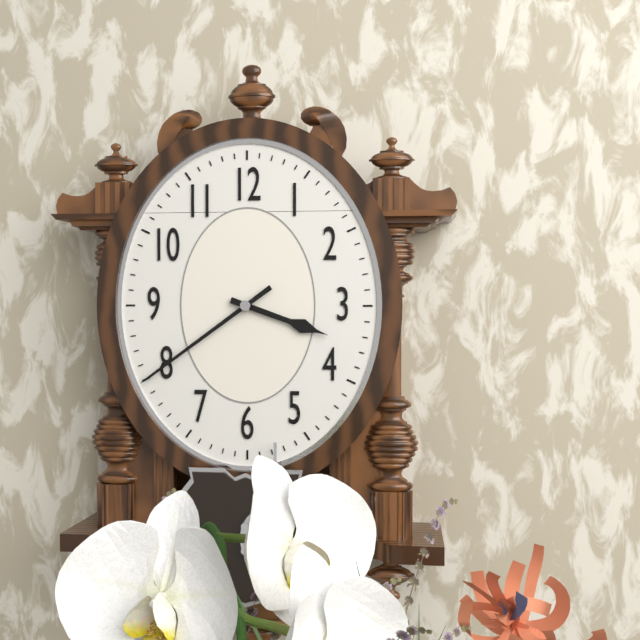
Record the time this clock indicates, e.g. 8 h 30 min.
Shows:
3 h 39 min
